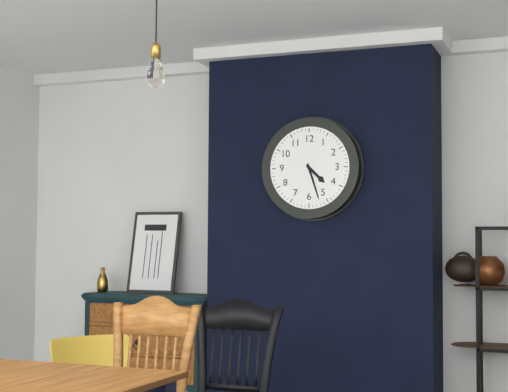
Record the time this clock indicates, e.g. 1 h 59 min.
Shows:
4 h 27 min
